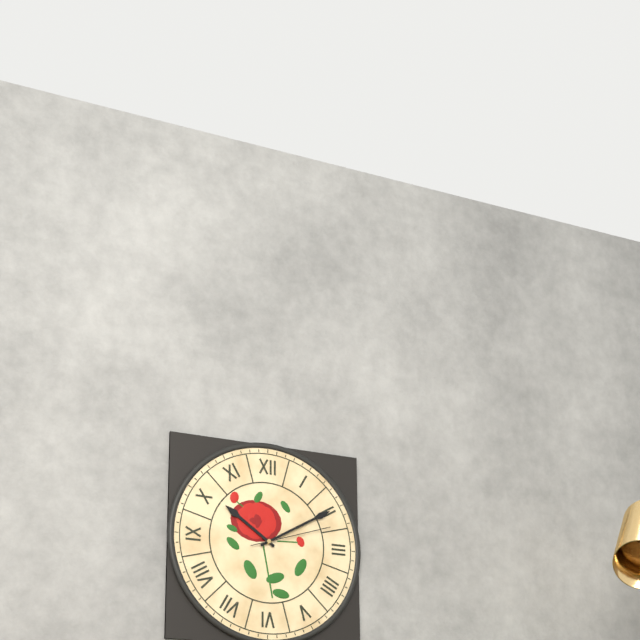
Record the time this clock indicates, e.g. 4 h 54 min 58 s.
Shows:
10 h 10 min 12 s
